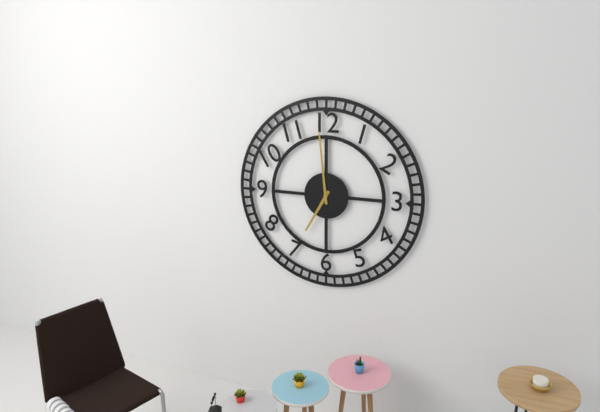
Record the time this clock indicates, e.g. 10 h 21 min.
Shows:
6 h 59 min
